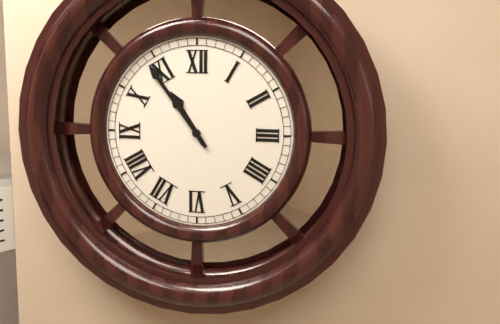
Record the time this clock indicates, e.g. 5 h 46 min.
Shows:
10 h 54 min
